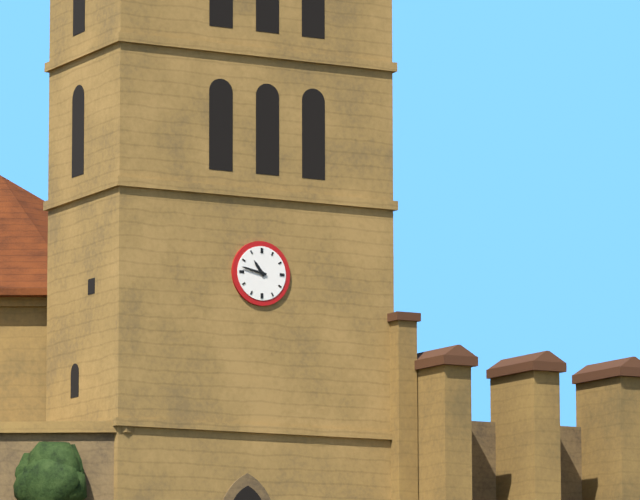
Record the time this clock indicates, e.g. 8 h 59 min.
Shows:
10 h 47 min
